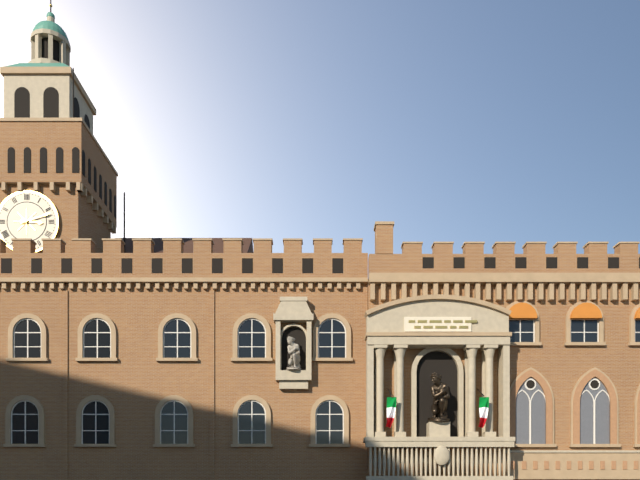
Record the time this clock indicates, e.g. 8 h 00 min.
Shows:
3 h 12 min
